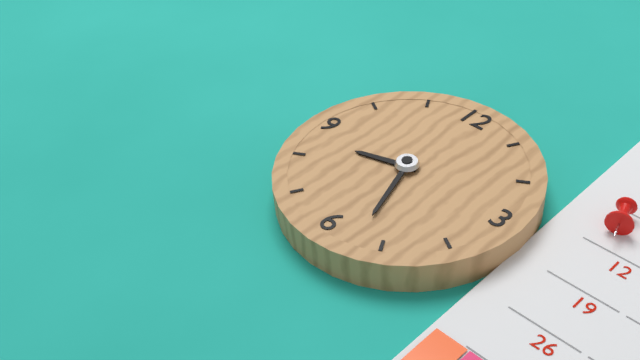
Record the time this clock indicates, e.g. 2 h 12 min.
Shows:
8 h 27 min
